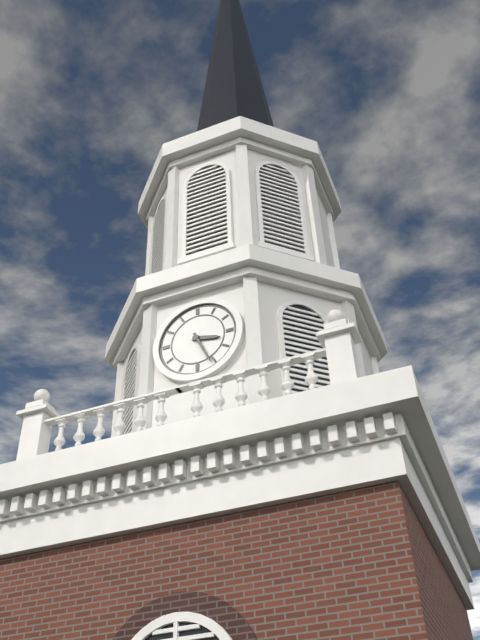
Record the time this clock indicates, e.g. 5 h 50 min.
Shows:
3 h 26 min
